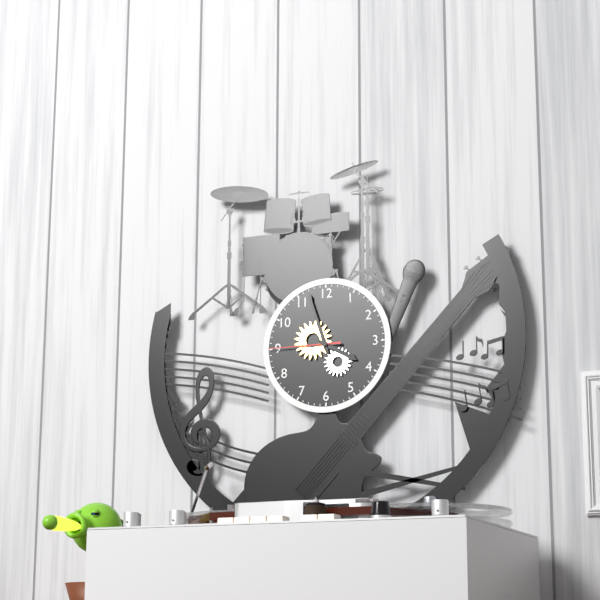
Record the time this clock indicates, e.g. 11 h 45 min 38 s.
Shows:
3 h 57 min 45 s
